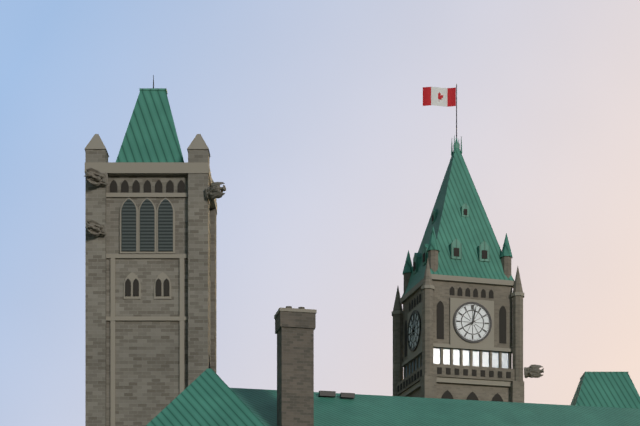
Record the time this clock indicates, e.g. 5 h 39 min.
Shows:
8 h 02 min
